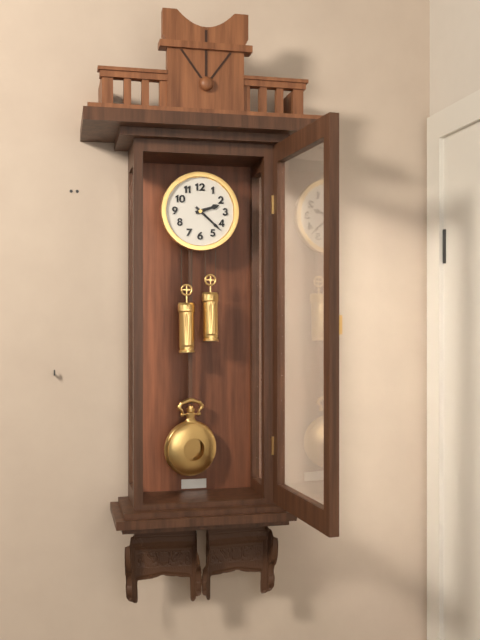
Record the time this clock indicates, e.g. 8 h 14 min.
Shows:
2 h 22 min
